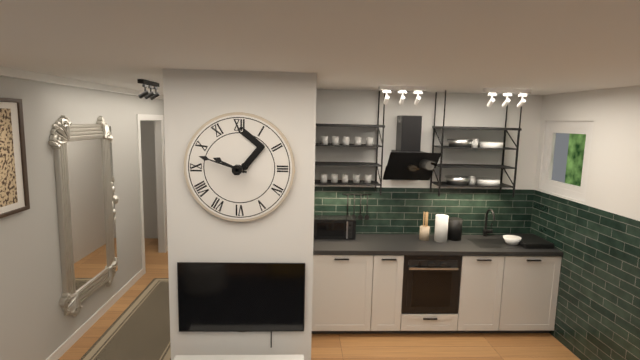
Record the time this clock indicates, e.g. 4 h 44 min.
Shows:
9 h 48 min
